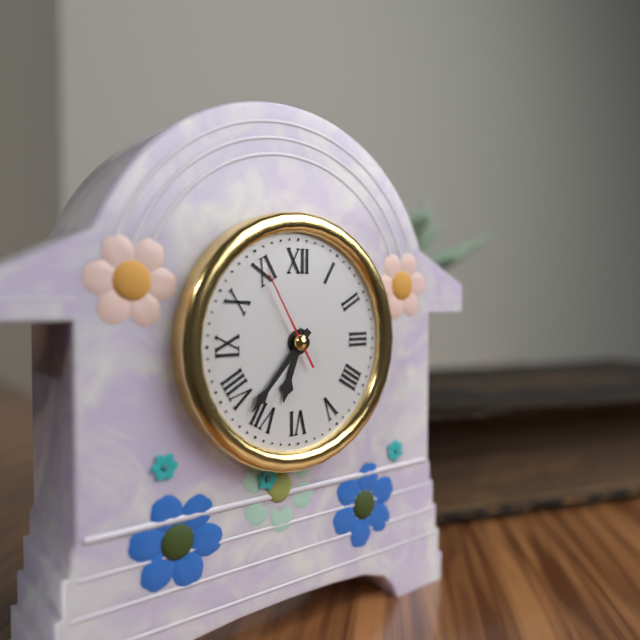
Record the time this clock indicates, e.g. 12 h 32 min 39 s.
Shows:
6 h 37 min 55 s
